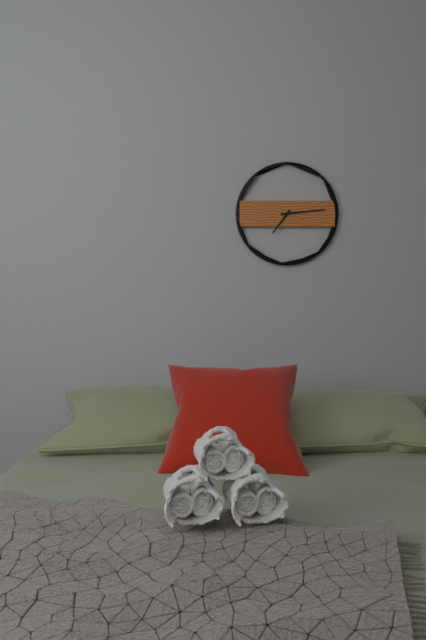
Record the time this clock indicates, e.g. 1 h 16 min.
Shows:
7 h 14 min
